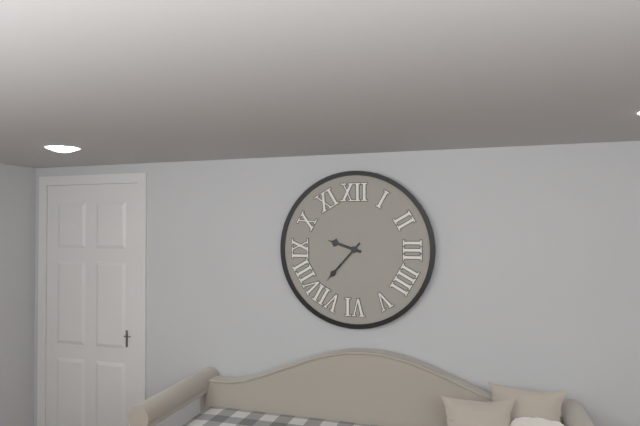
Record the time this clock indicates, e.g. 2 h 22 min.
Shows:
9 h 37 min
